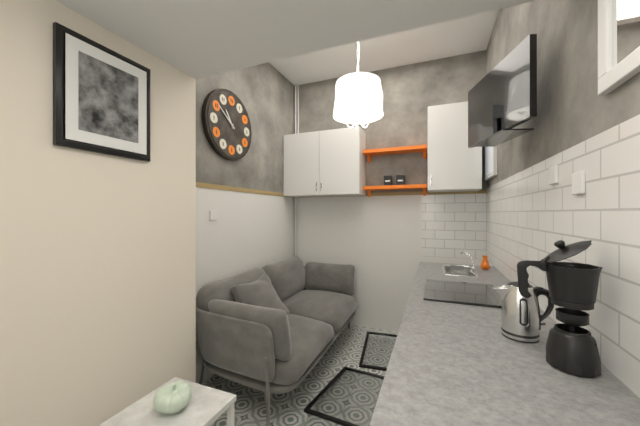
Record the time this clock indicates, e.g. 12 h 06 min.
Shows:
10 h 51 min
